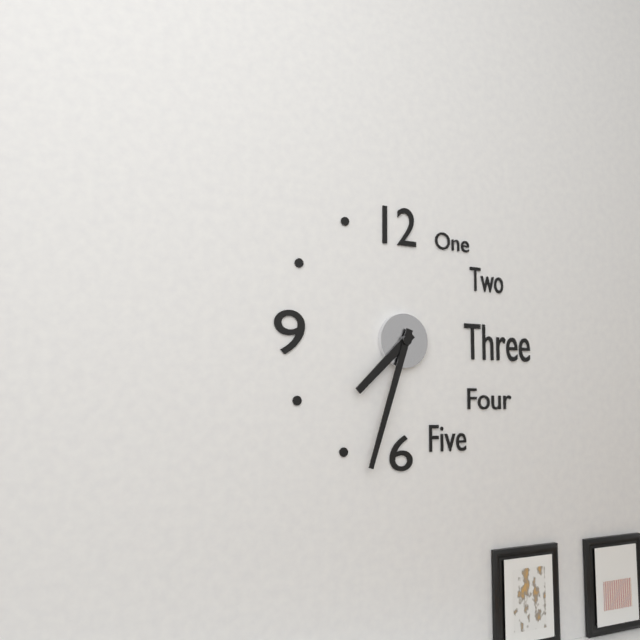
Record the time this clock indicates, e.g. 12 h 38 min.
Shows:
7 h 33 min
